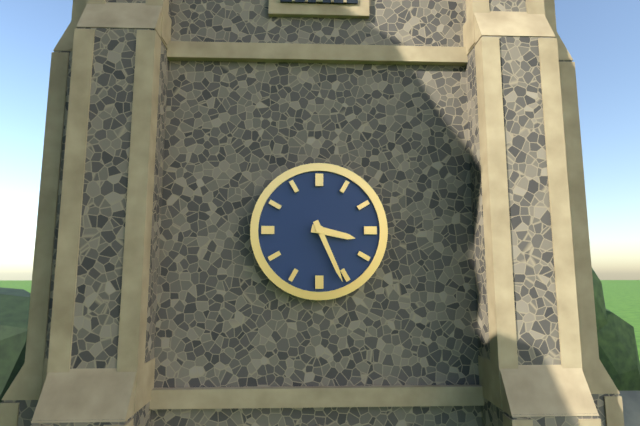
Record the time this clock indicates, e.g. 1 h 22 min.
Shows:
3 h 26 min
